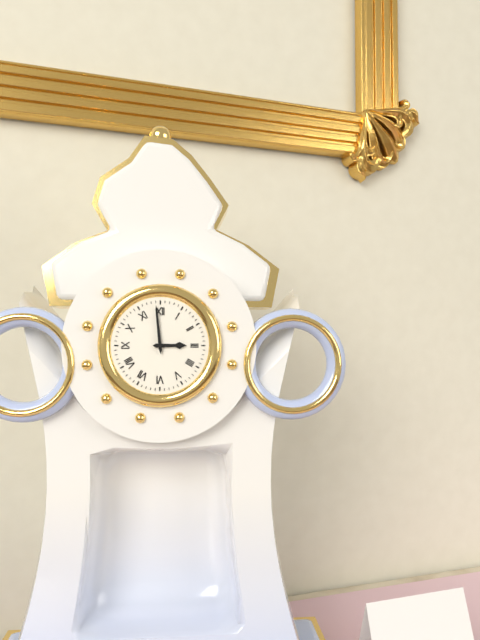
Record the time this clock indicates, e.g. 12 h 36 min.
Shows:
2 h 59 min
